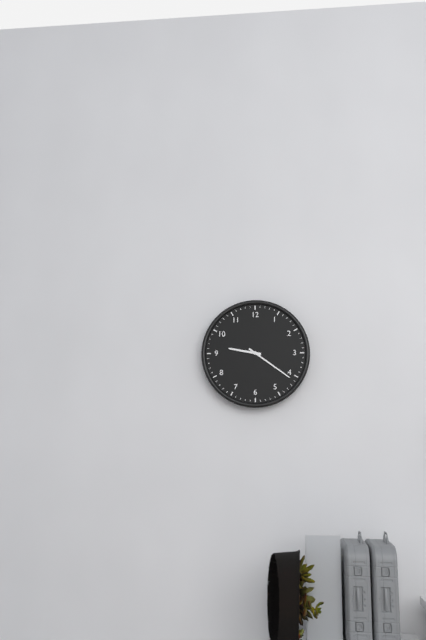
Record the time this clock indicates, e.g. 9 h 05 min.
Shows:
9 h 21 min
